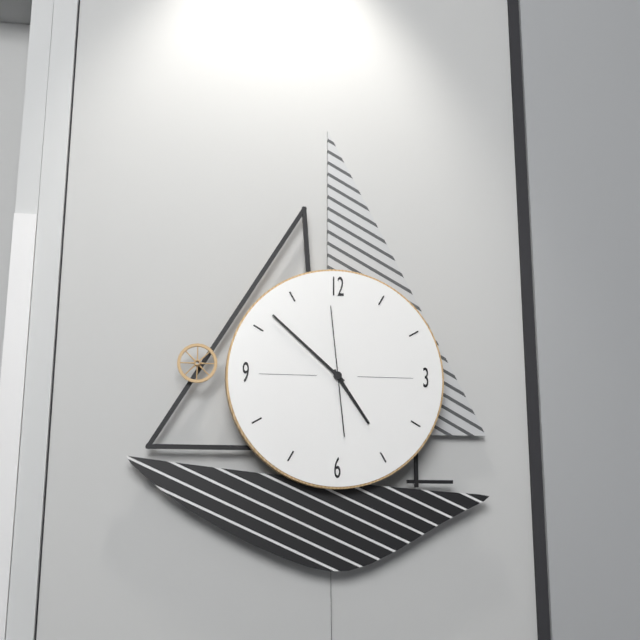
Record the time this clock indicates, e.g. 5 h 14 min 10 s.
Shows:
4 h 52 min 59 s
